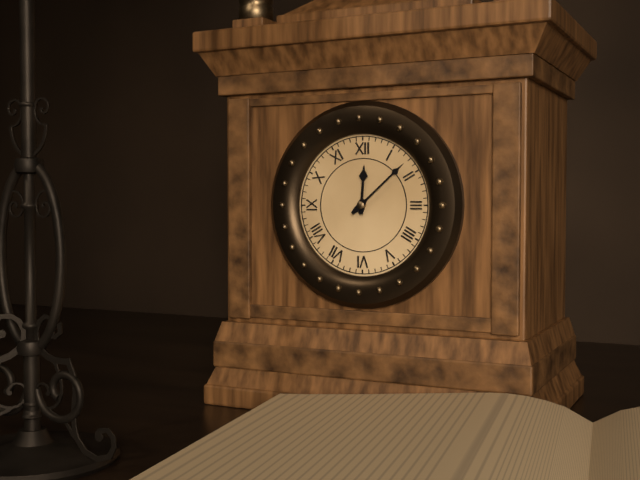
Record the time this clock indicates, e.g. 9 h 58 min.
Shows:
12 h 08 min
